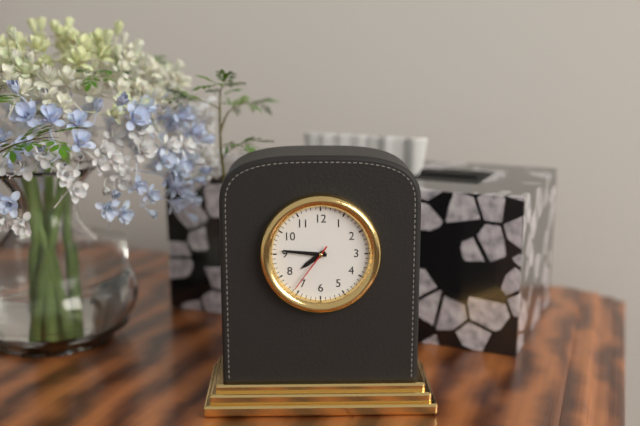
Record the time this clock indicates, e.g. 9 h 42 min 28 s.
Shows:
7 h 46 min 36 s
